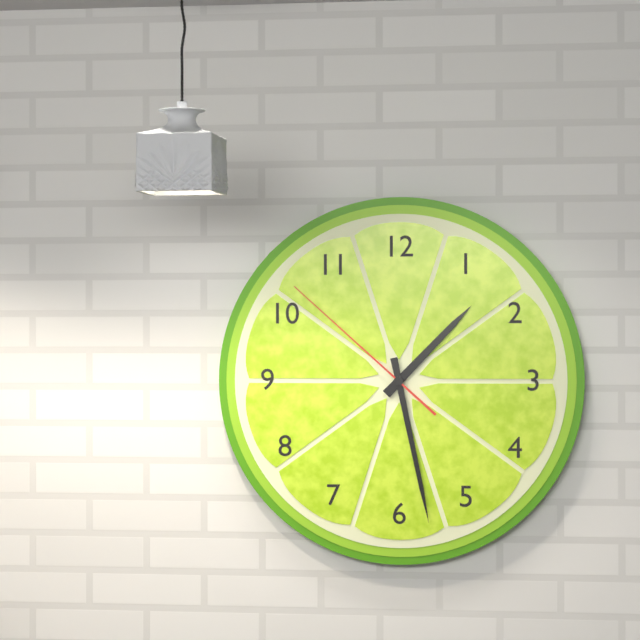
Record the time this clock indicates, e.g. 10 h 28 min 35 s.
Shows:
1 h 28 min 52 s
